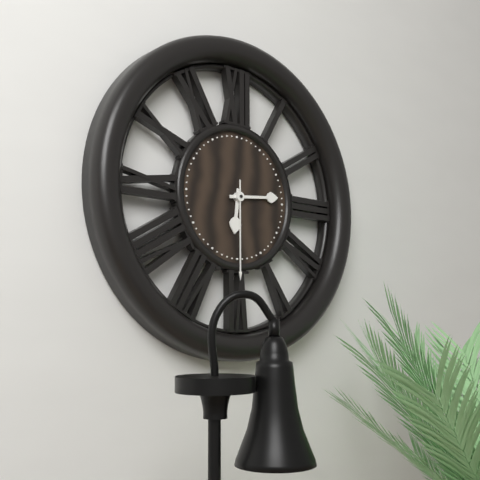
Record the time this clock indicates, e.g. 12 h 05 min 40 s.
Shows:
6 h 14 min 30 s
